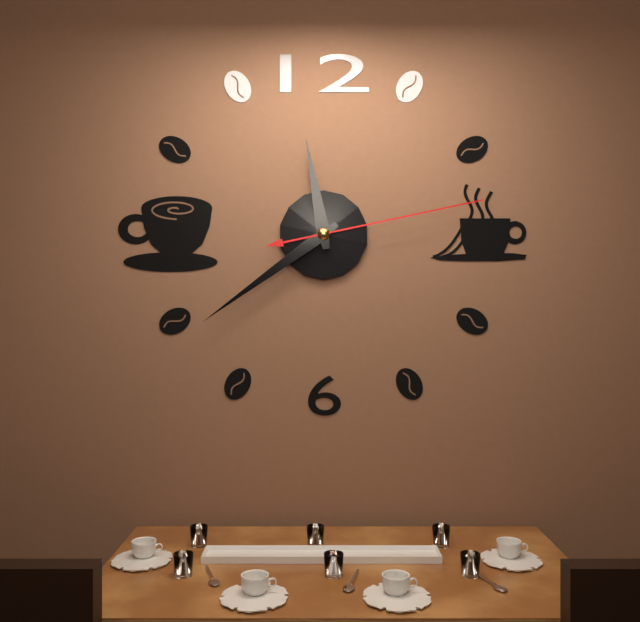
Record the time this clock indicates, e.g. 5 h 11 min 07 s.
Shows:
11 h 39 min 13 s
